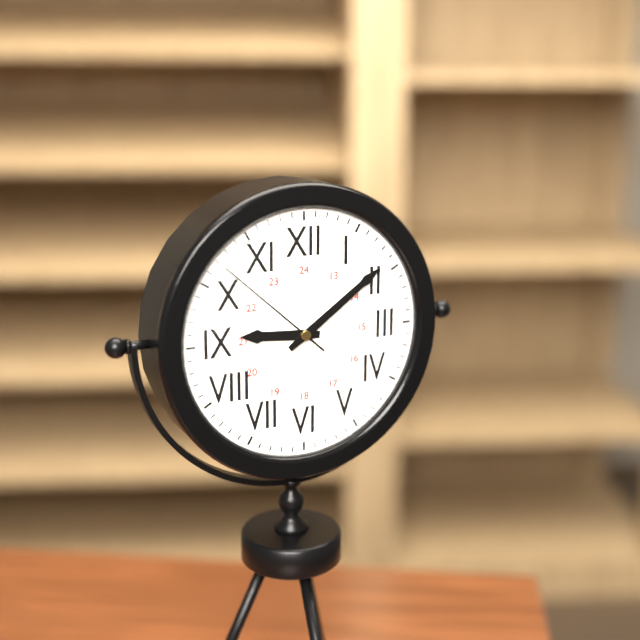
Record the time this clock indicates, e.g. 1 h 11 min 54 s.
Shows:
9 h 09 min 52 s
